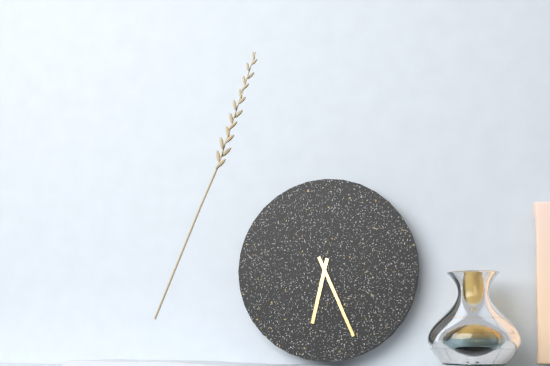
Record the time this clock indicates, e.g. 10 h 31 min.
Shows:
6 h 26 min
